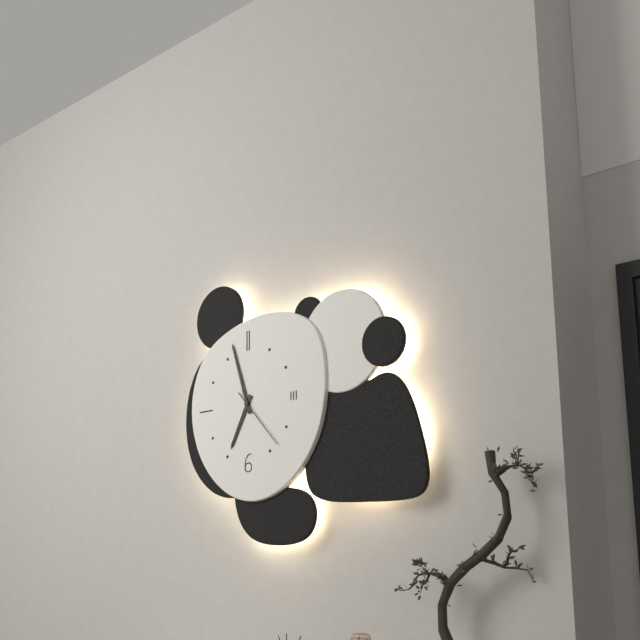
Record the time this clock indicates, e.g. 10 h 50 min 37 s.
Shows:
6 h 57 min 23 s
